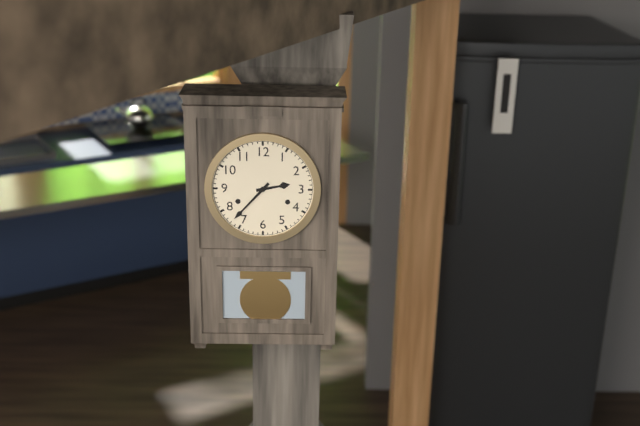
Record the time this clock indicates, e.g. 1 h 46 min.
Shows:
2 h 37 min
